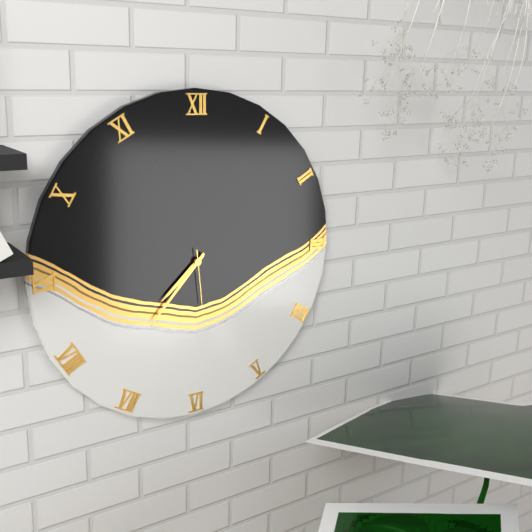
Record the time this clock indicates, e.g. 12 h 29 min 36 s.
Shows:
7 h 37 min 29 s
